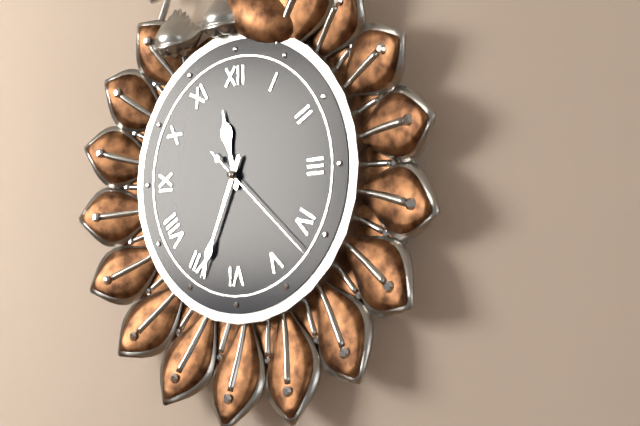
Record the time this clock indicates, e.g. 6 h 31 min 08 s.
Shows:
11 h 34 min 22 s
